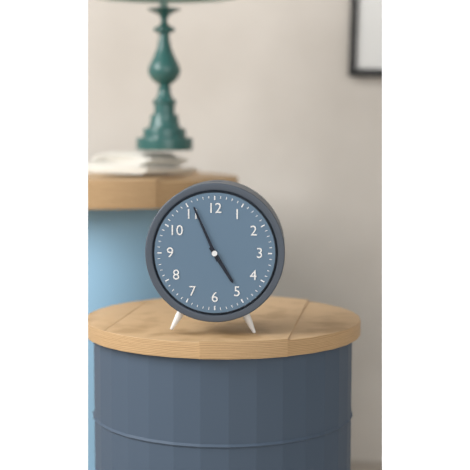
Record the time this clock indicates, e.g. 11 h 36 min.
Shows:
4 h 56 min
